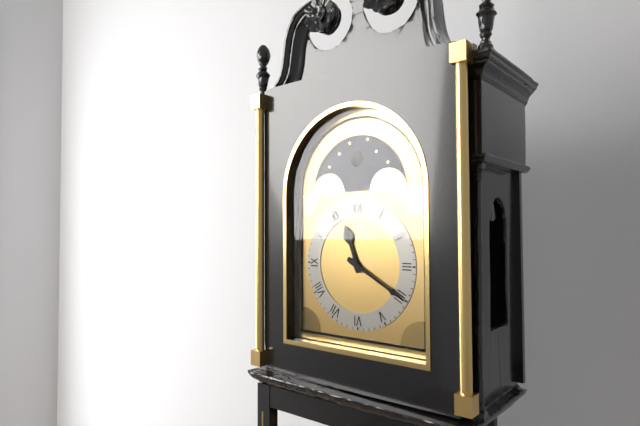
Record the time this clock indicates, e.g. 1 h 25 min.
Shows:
11 h 20 min
